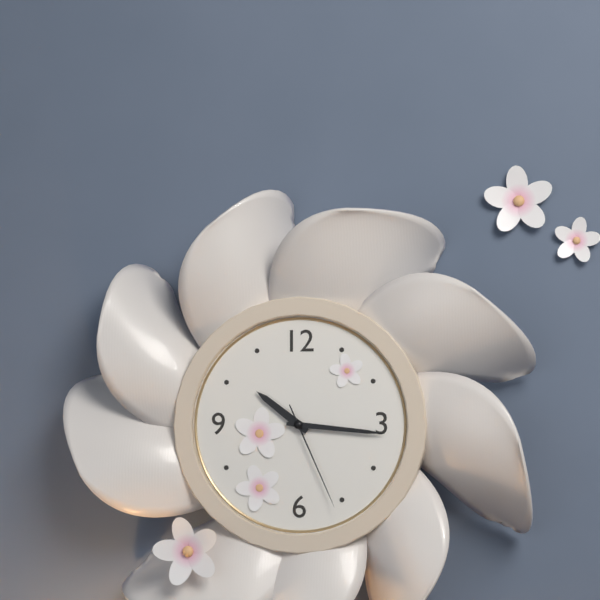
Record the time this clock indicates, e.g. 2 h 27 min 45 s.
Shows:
10 h 16 min 26 s
